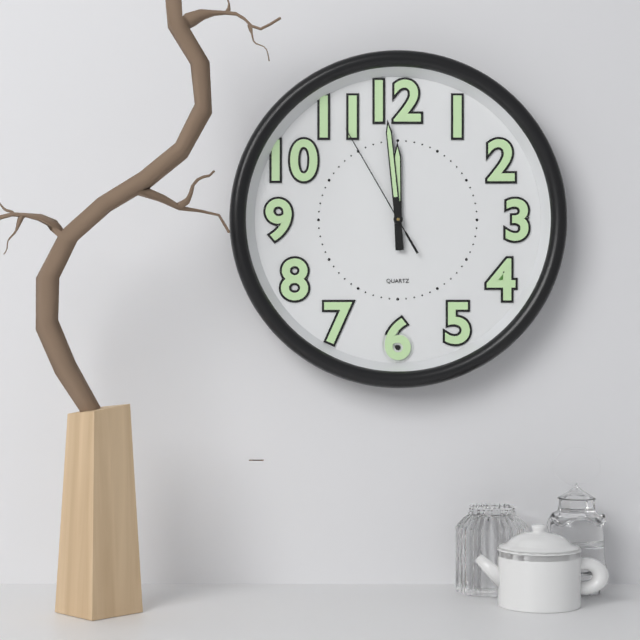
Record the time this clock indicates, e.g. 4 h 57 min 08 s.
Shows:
11 h 59 min 55 s
